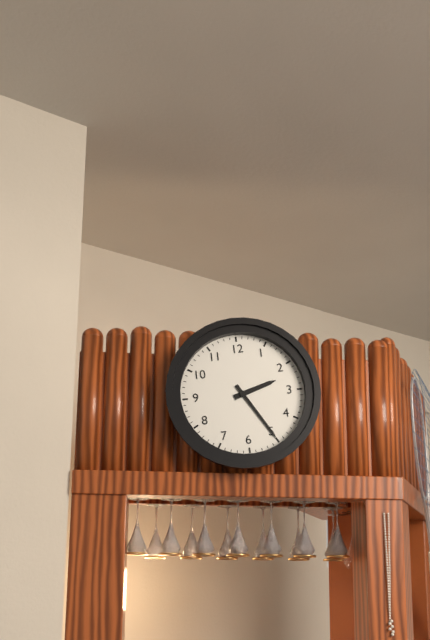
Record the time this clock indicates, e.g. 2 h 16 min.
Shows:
2 h 25 min
